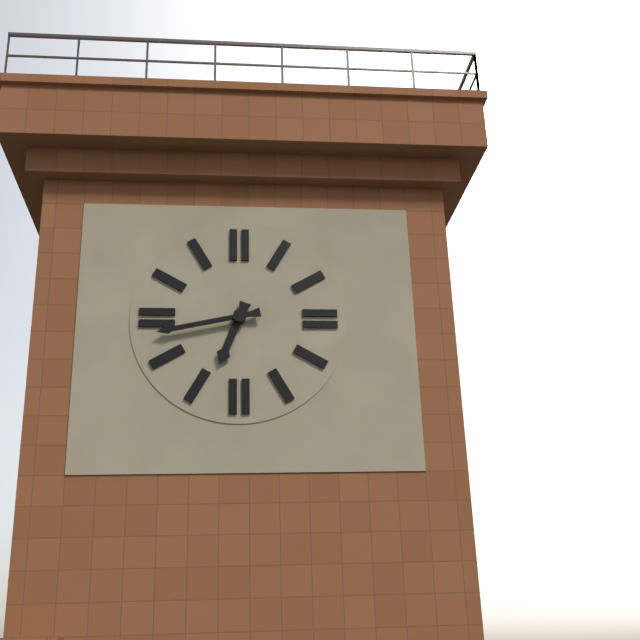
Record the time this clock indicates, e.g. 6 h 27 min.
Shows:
6 h 43 min
